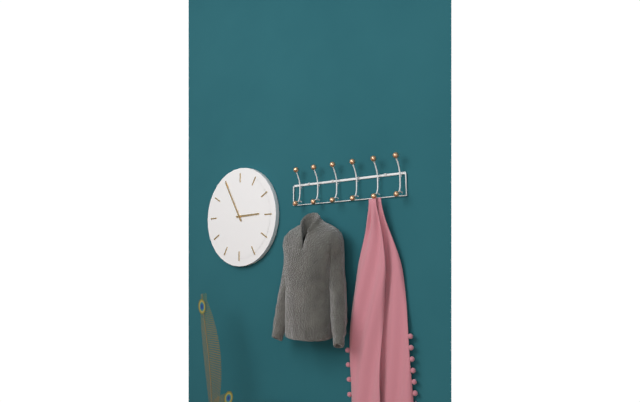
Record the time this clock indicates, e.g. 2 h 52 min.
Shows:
2 h 55 min
